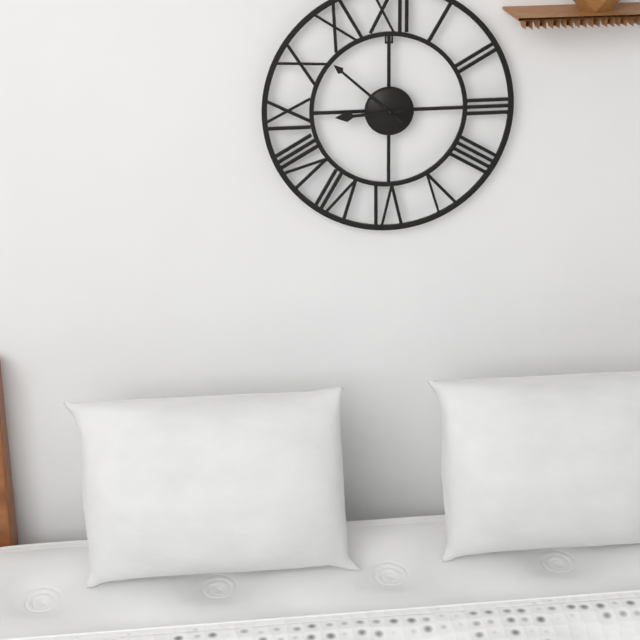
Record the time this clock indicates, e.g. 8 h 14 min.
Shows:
8 h 52 min
